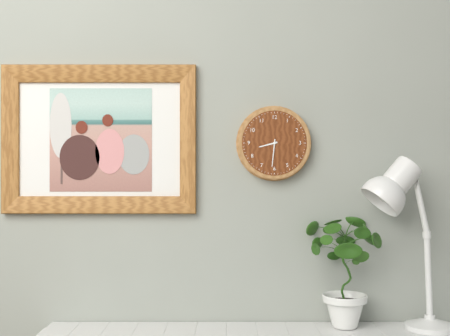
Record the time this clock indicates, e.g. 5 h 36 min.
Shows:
8 h 31 min
